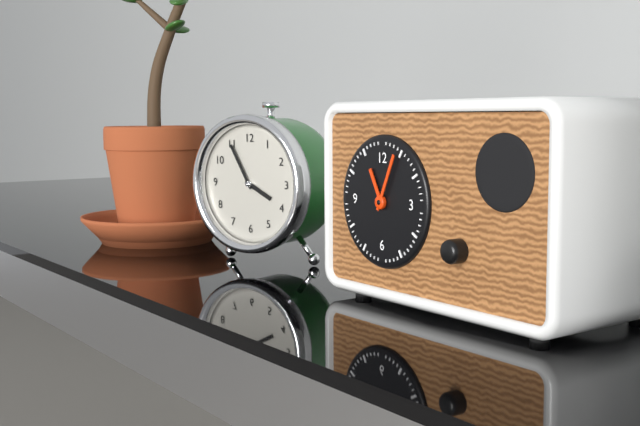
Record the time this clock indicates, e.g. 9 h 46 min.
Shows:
11 h 04 min
